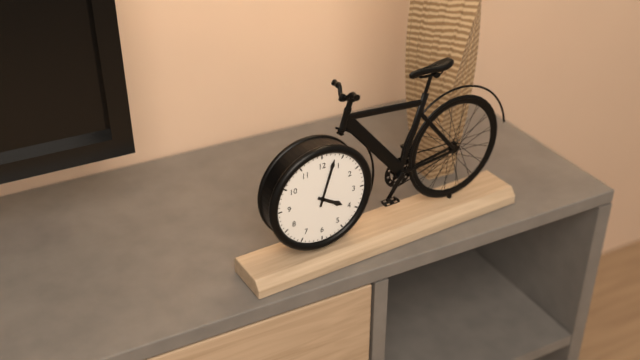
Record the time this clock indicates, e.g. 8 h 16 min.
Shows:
4 h 03 min
